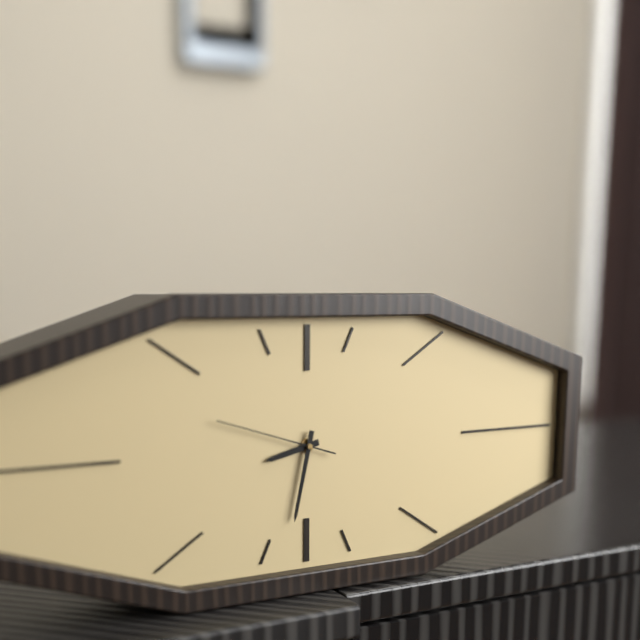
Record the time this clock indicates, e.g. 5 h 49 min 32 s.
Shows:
8 h 32 min 48 s
